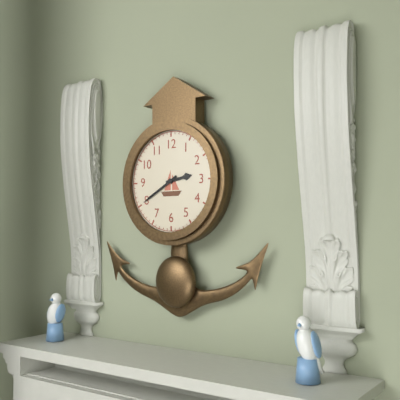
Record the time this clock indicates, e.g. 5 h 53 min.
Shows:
2 h 40 min
